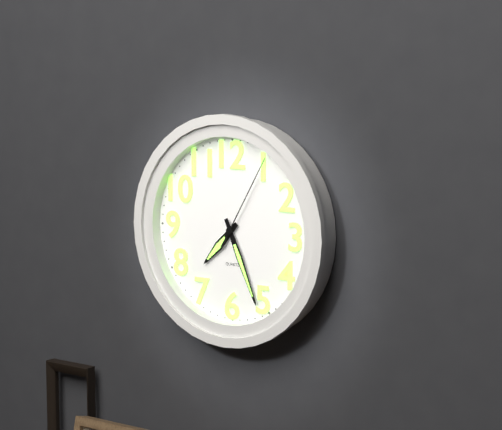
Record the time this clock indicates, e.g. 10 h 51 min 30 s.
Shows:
7 h 26 min 05 s
